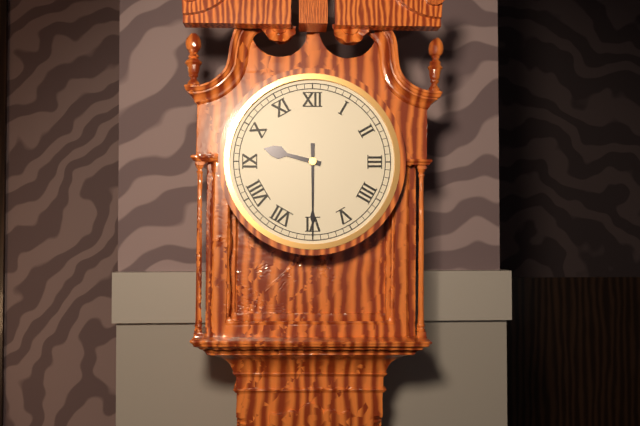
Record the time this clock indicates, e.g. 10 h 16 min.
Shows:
9 h 30 min
